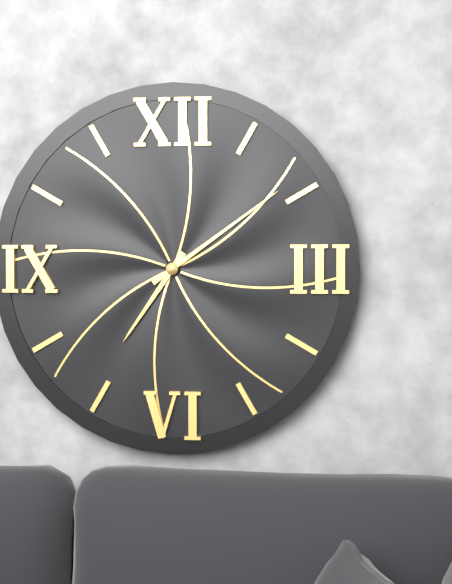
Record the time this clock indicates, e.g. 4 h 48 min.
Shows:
7 h 09 min
